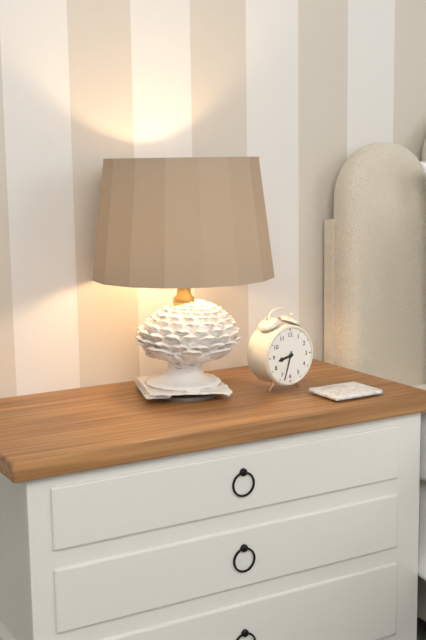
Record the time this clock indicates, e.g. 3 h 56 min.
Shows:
8 h 33 min
